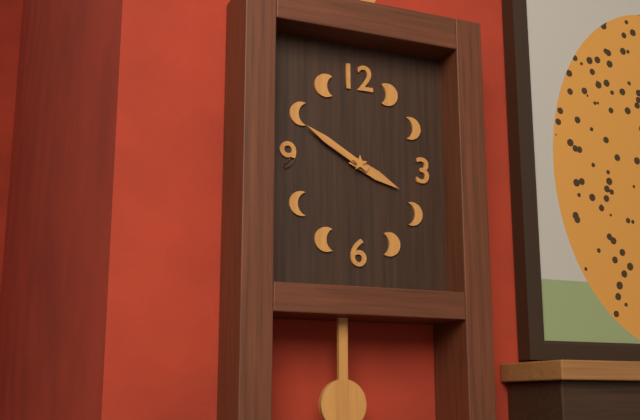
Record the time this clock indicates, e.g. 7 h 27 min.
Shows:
3 h 50 min
